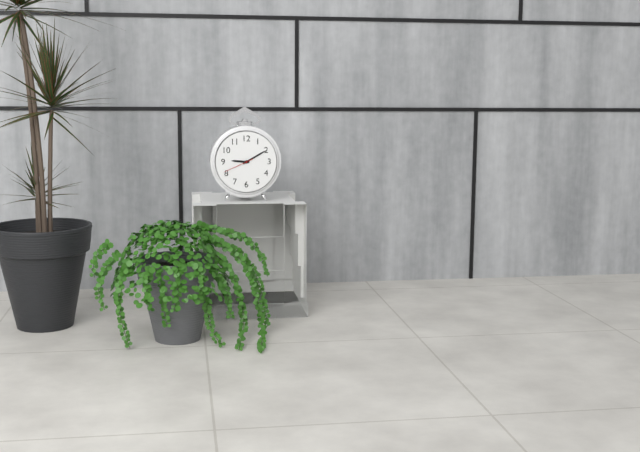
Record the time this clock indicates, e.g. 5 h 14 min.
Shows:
9 h 10 min
